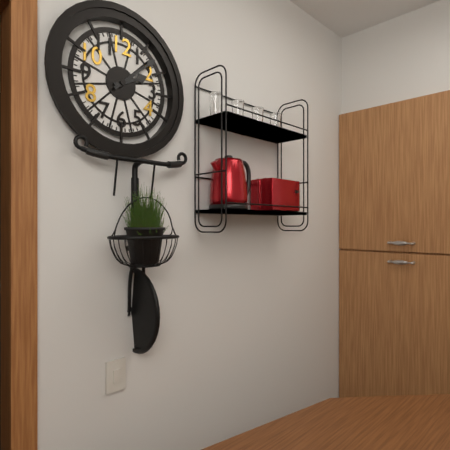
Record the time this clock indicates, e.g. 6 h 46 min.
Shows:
2 h 08 min
